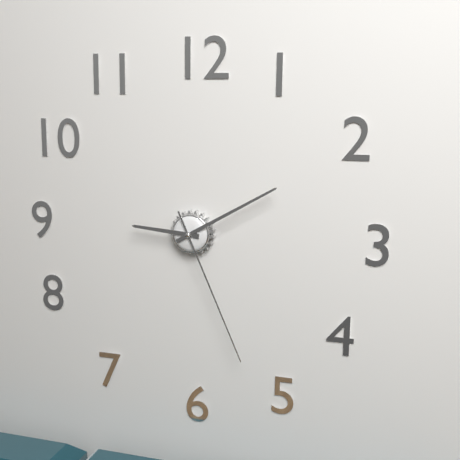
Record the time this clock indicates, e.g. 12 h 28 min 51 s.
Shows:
9 h 10 min 26 s
